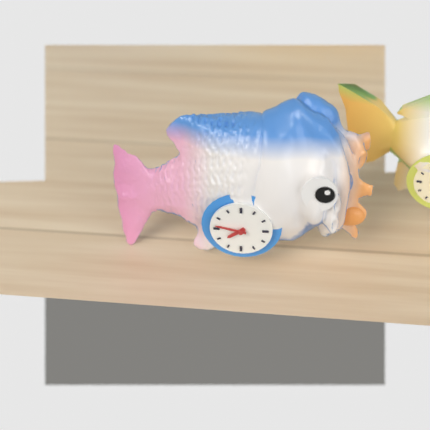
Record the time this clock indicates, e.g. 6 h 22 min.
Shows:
7 h 47 min
